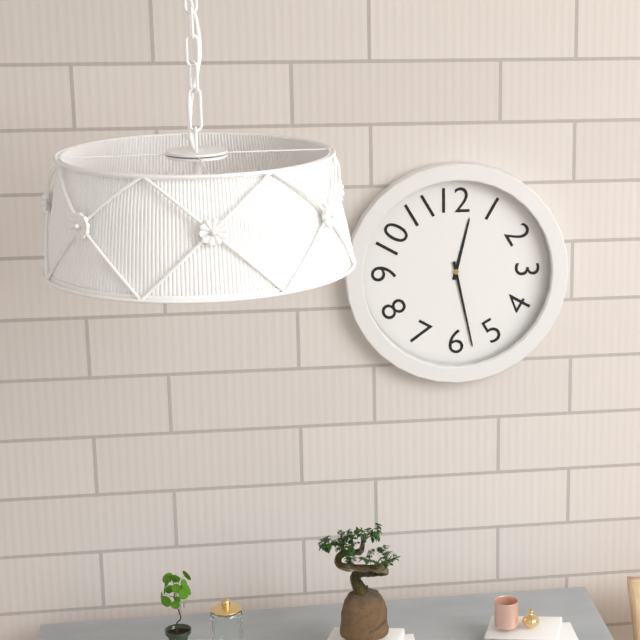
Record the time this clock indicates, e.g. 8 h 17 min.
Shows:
12 h 28 min
